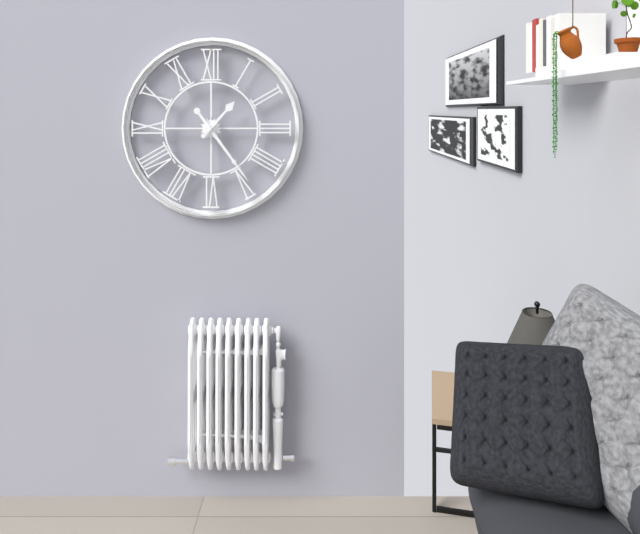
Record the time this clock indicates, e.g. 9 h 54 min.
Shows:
1 h 24 min
